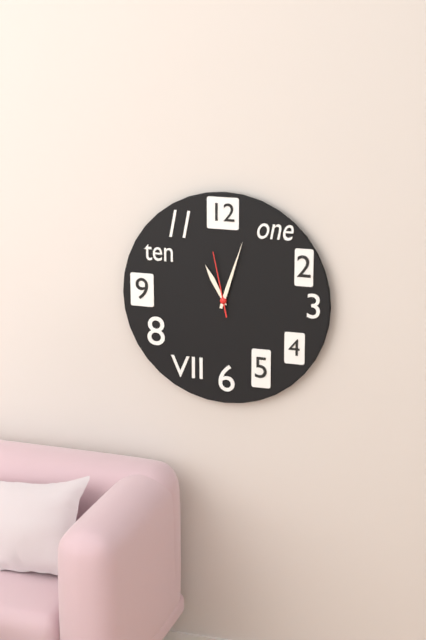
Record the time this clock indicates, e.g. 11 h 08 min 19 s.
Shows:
11 h 03 min 58 s
